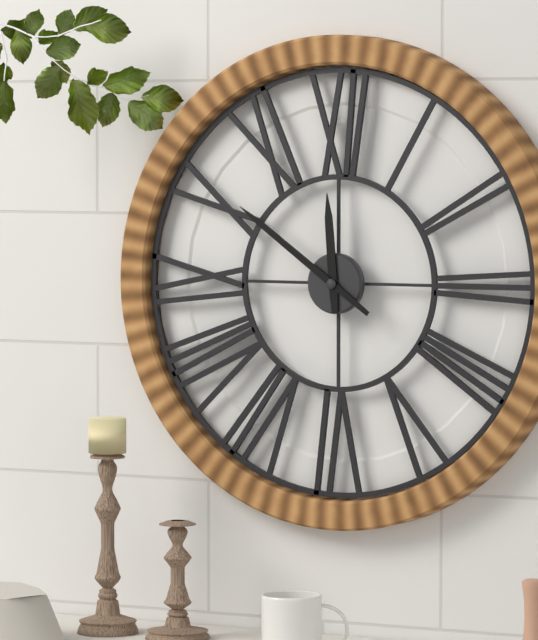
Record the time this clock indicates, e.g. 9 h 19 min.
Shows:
11 h 51 min
